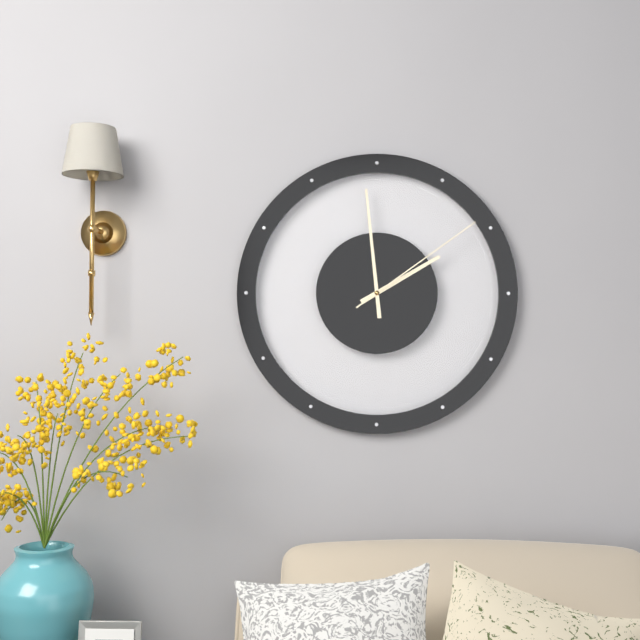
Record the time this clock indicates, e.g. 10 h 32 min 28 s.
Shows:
1 h 59 min 09 s
